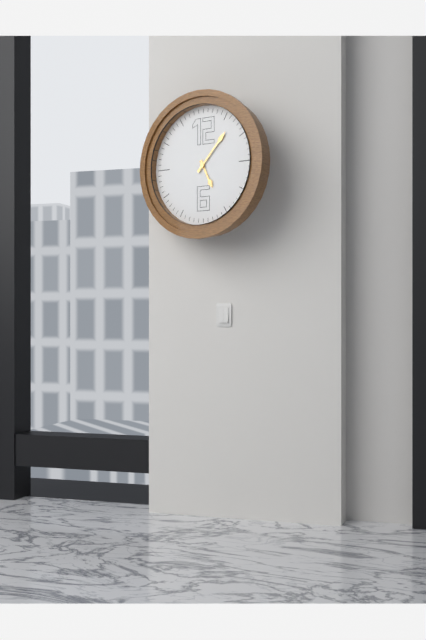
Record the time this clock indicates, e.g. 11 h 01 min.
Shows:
5 h 07 min
